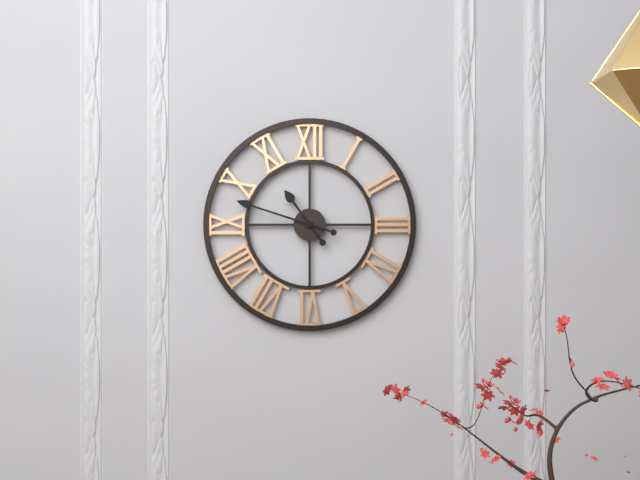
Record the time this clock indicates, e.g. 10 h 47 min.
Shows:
10 h 48 min
